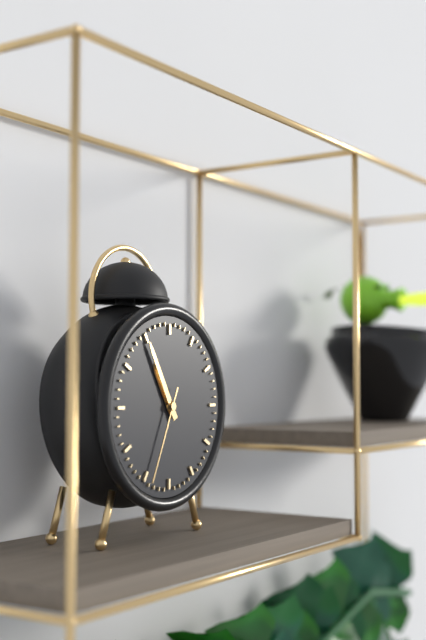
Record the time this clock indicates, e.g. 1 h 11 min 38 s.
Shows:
10 h 55 min 34 s
